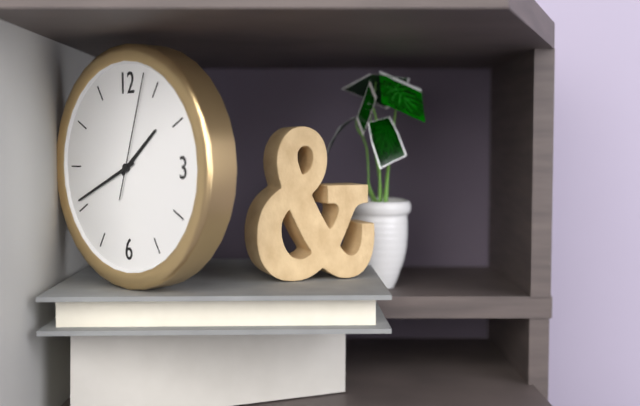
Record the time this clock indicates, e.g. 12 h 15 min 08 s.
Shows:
1 h 41 min 03 s
